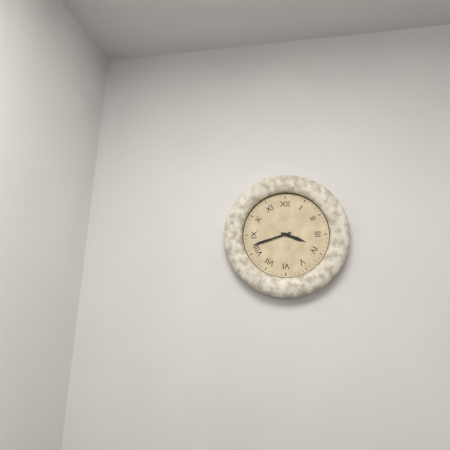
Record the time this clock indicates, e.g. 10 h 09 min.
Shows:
3 h 42 min
